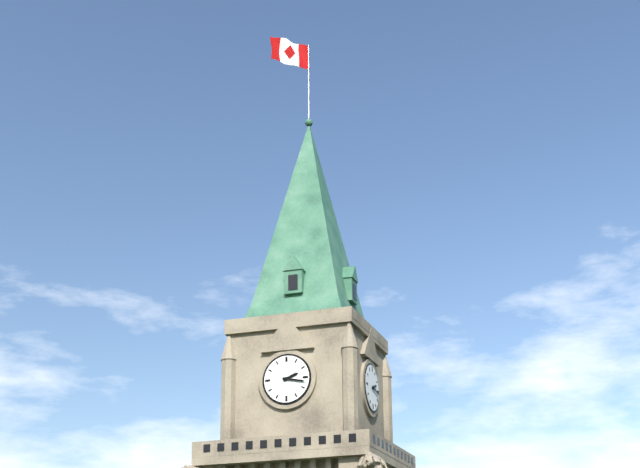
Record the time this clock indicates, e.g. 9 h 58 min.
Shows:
2 h 17 min
